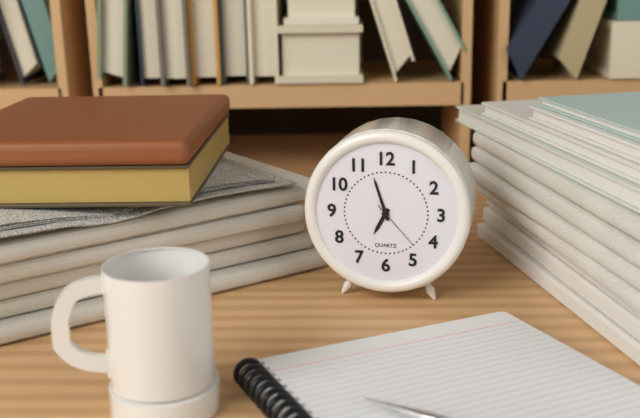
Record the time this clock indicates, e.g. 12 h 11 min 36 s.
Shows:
6 h 57 min 23 s
